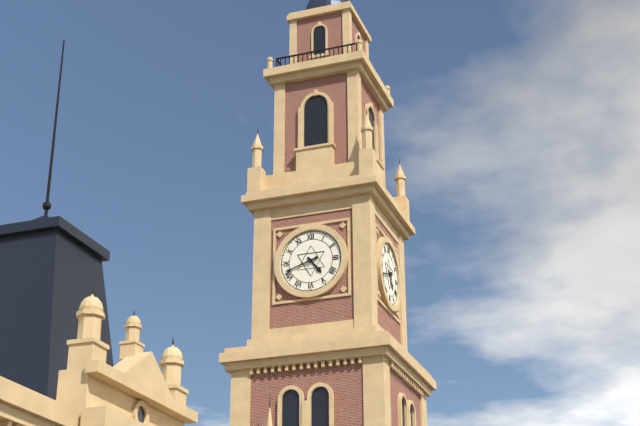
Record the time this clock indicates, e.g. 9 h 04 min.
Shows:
4 h 42 min
